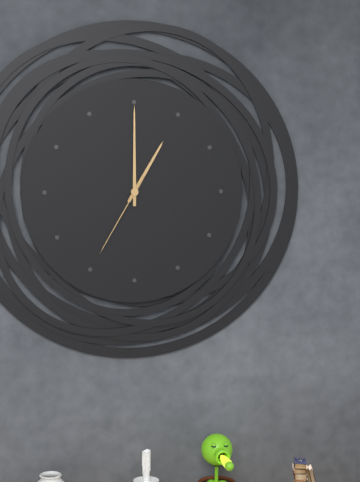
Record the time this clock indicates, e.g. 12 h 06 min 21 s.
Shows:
1 h 00 min 35 s
